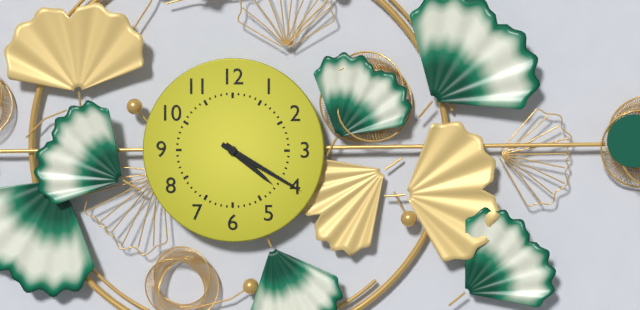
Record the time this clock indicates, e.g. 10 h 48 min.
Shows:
4 h 20 min
